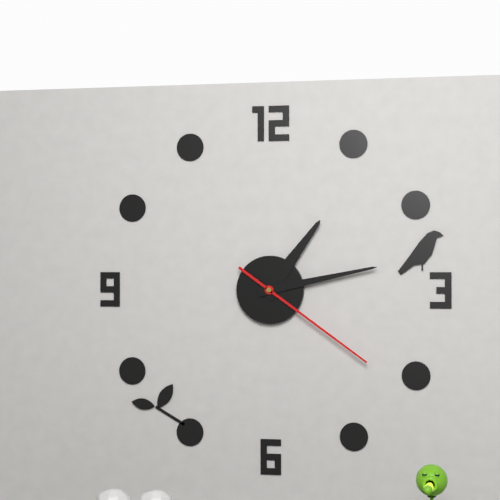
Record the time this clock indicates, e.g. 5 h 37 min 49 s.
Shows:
1 h 13 min 21 s
